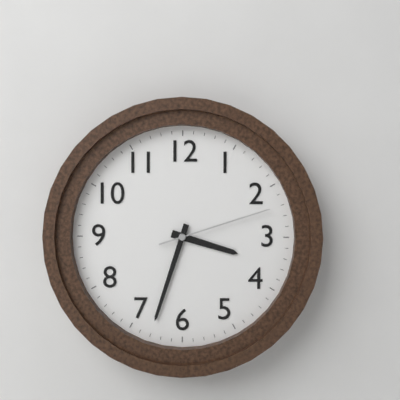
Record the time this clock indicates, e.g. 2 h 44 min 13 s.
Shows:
3 h 33 min 12 s
